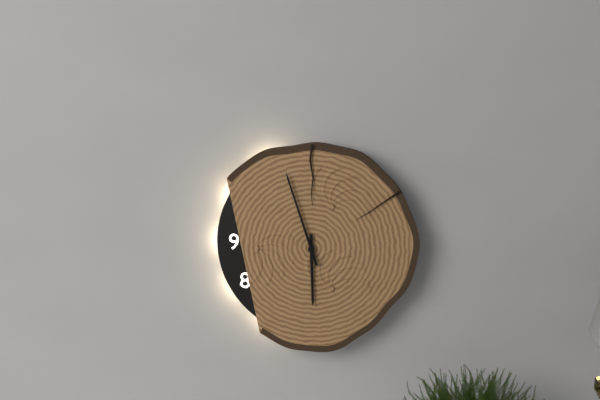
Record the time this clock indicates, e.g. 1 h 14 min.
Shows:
5 h 57 min
